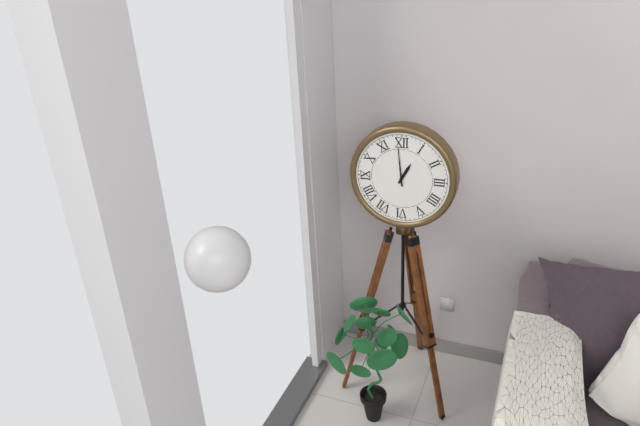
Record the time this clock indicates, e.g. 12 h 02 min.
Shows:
12 h 59 min
